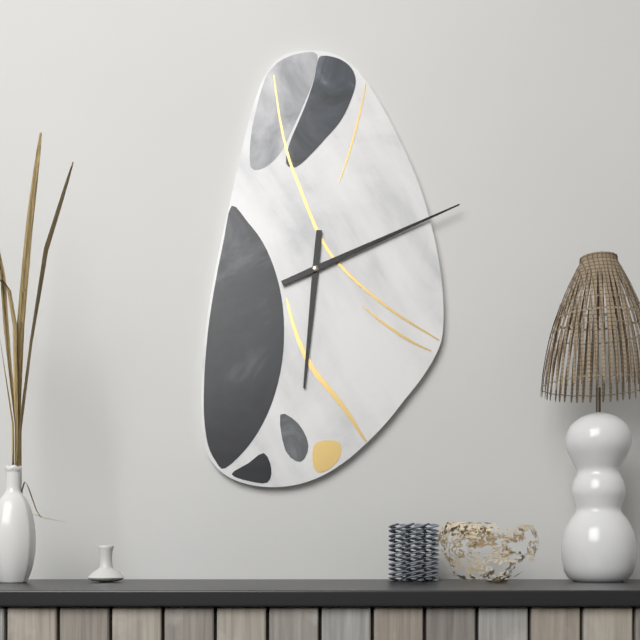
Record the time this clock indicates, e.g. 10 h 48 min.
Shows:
6 h 11 min
